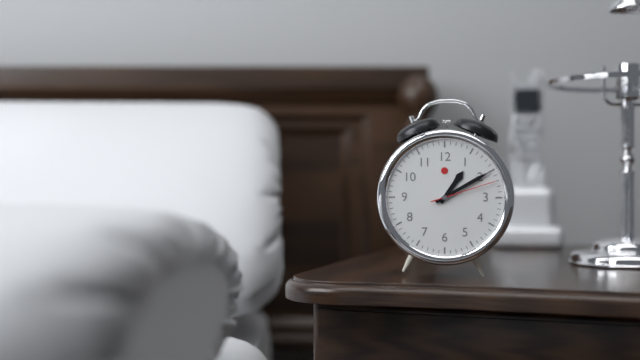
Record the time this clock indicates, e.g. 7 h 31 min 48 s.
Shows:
1 h 10 min 12 s
